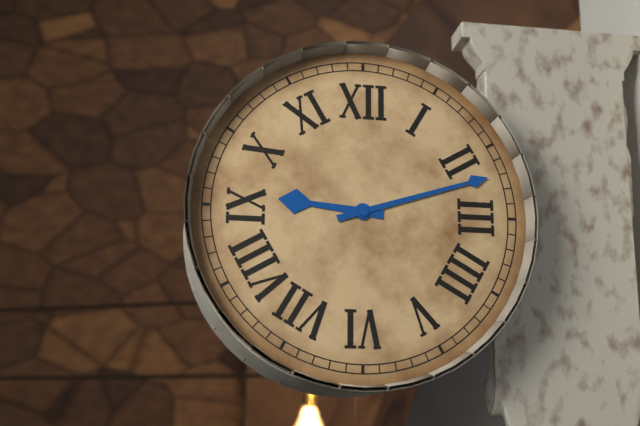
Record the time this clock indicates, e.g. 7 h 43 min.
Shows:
9 h 12 min
